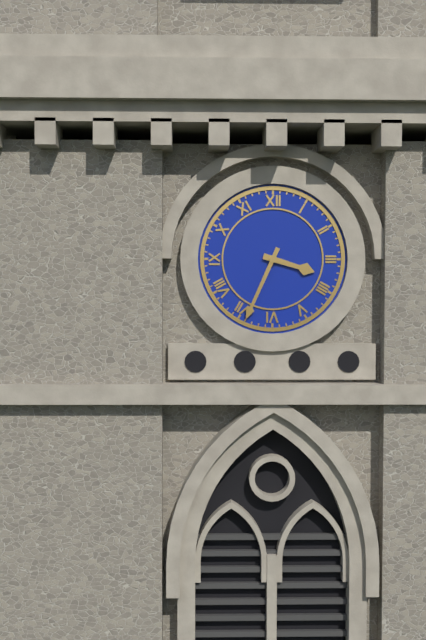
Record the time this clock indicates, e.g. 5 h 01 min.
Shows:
3 h 34 min
